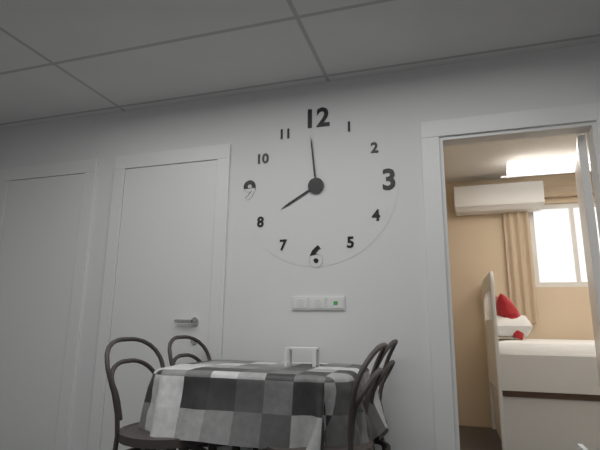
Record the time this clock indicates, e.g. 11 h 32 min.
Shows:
7 h 59 min
